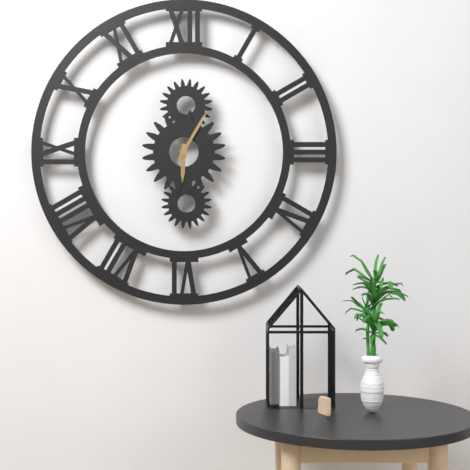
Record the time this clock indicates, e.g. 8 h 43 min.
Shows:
6 h 05 min
